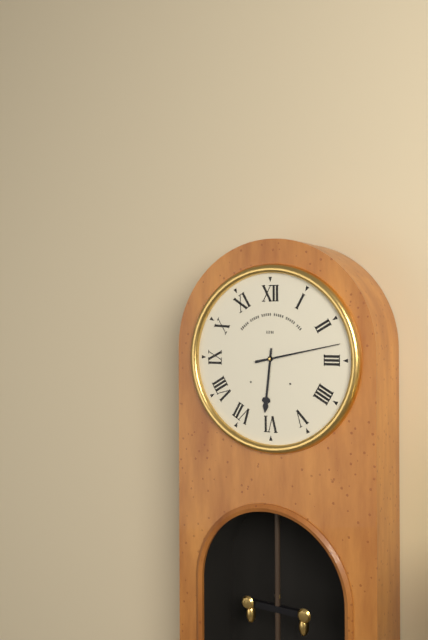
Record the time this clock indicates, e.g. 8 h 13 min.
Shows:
6 h 13 min
